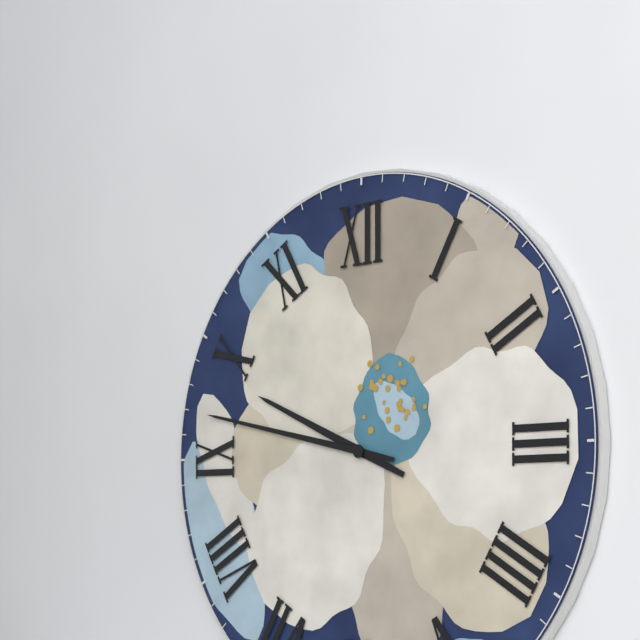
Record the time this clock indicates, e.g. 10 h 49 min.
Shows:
9 h 47 min
